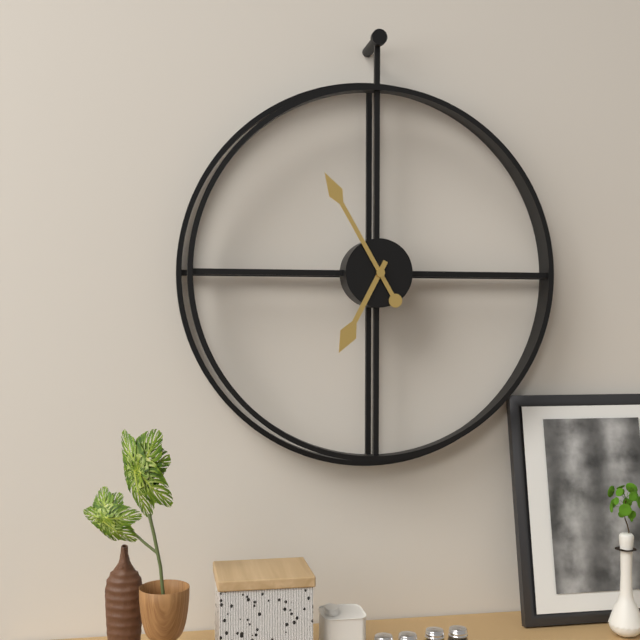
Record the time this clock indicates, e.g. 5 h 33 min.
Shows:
6 h 55 min
